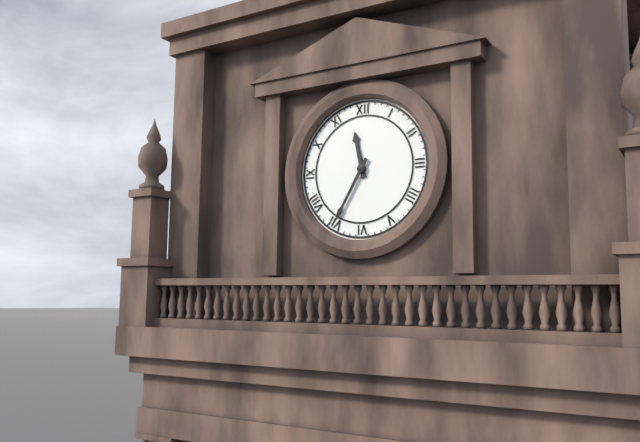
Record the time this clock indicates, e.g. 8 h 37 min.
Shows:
11 h 35 min
